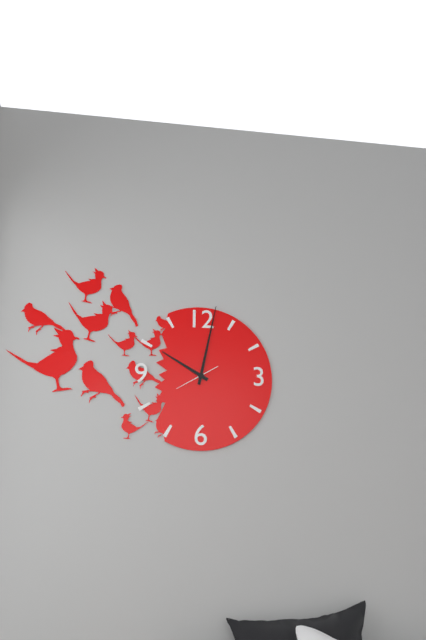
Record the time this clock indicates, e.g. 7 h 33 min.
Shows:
10 h 02 min
